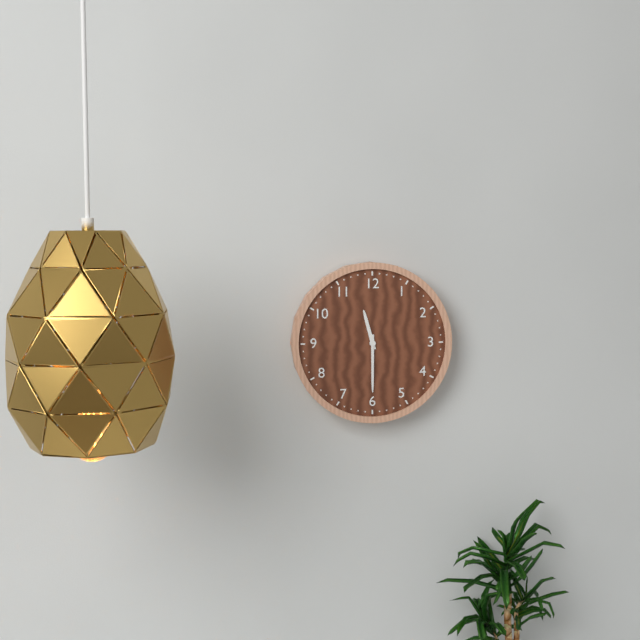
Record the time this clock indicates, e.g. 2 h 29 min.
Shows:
11 h 30 min
